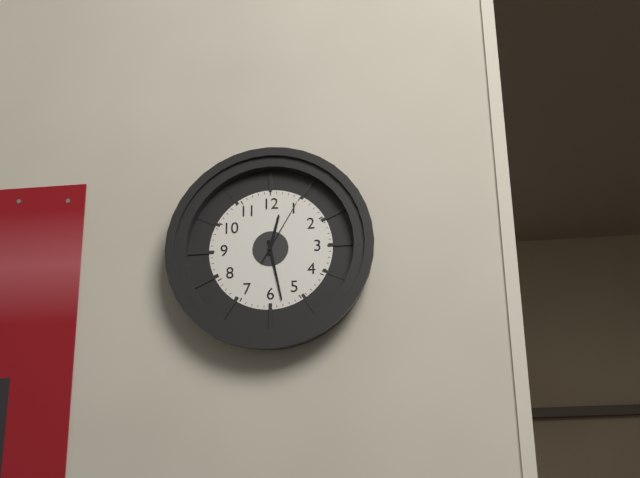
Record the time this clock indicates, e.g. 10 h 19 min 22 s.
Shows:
12 h 28 min 05 s
